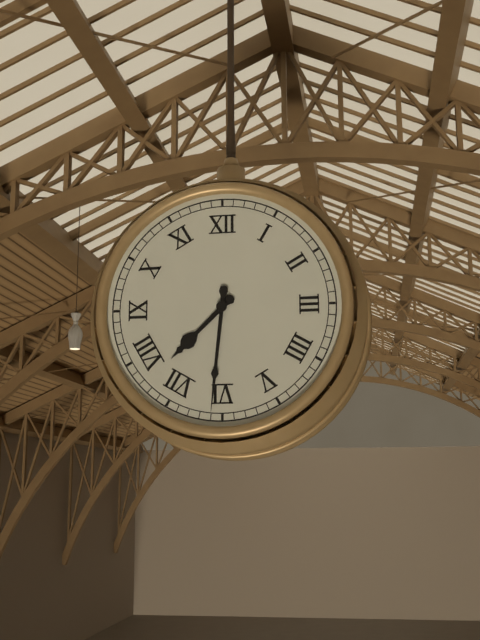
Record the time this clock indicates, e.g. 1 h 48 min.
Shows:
7 h 31 min
